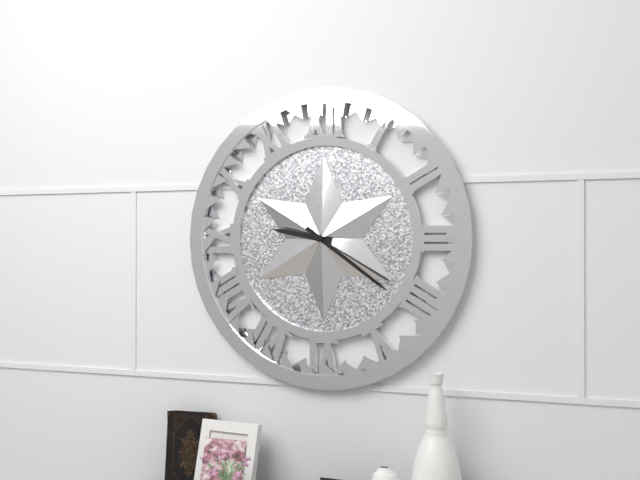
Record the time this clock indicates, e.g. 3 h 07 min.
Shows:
9 h 21 min
